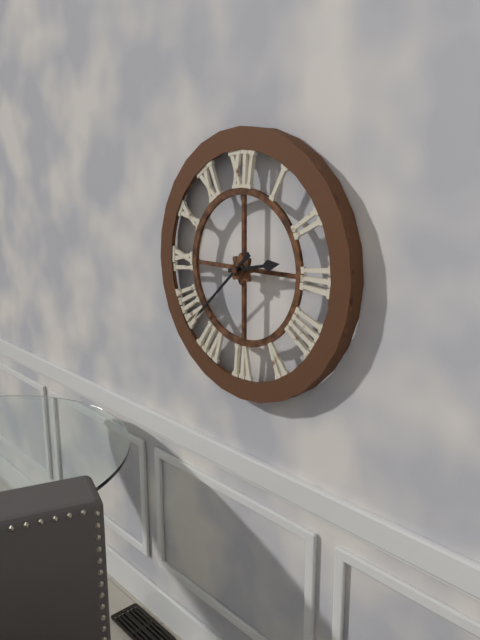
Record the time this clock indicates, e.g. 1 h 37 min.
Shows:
2 h 38 min
